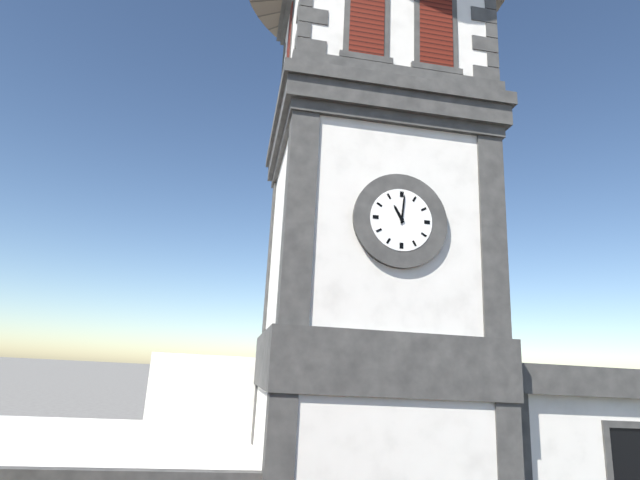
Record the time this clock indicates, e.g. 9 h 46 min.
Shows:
11 h 01 min
